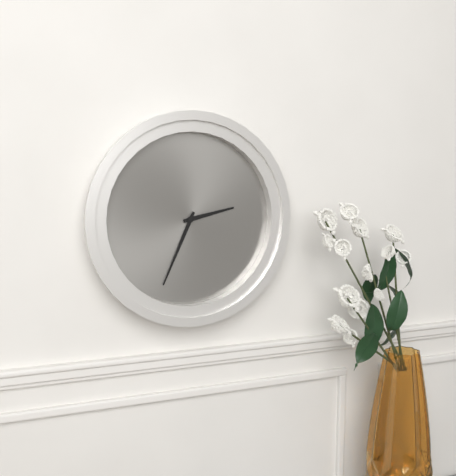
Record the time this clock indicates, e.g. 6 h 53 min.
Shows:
2 h 34 min
